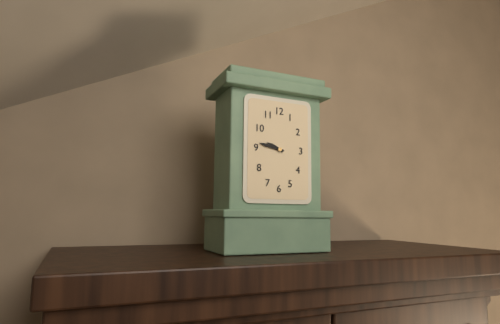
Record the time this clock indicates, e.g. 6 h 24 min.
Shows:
9 h 47 min
